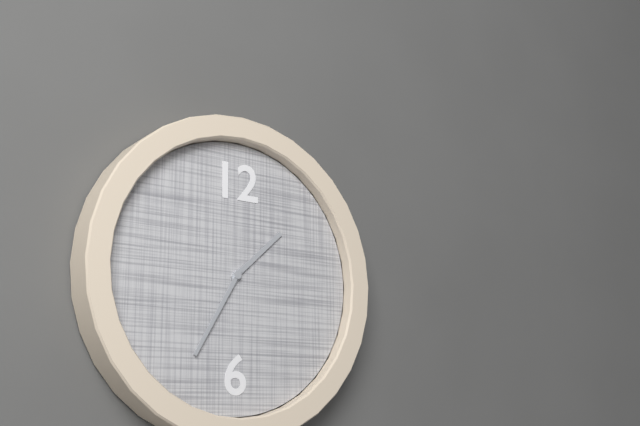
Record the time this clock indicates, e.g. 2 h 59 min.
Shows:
1 h 35 min
